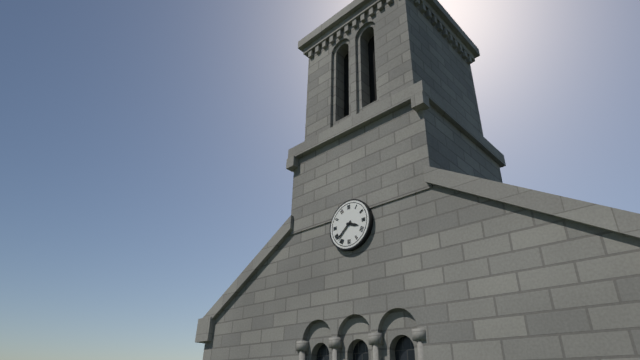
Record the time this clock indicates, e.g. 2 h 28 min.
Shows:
3 h 38 min
